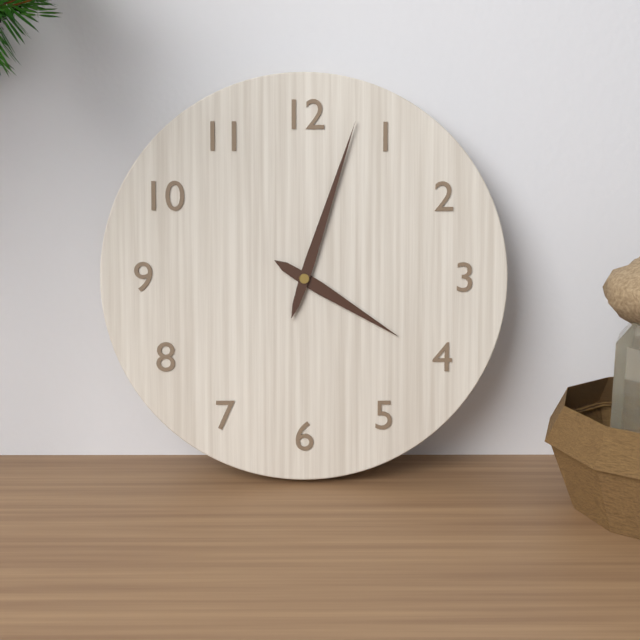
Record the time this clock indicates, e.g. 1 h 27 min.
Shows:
4 h 03 min
